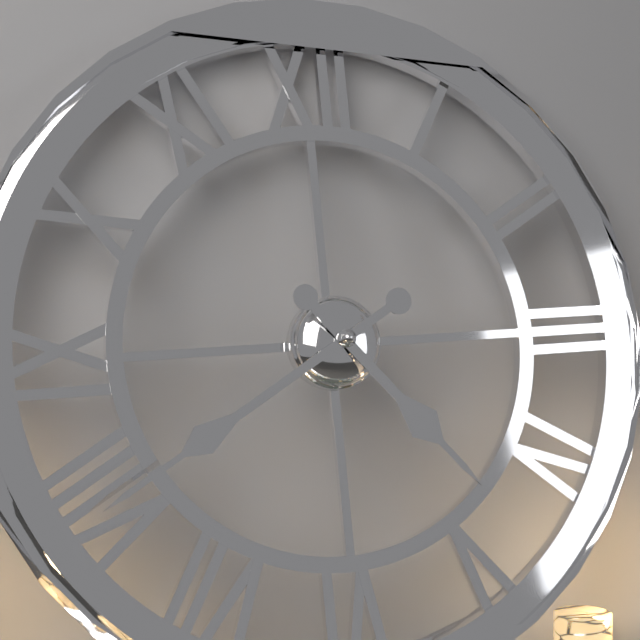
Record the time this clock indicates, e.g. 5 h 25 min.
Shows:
4 h 40 min
